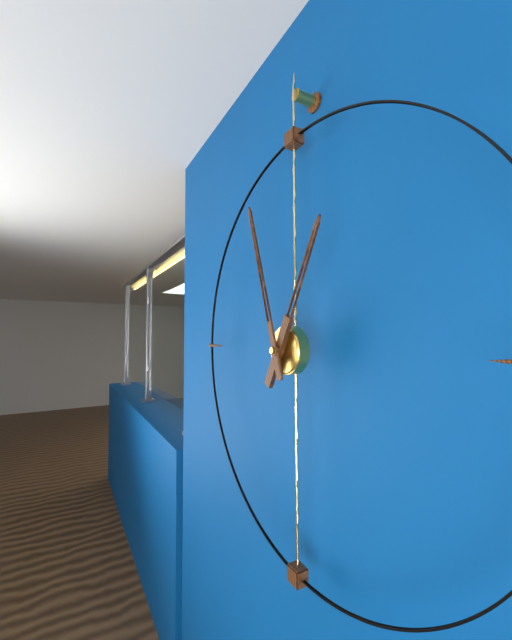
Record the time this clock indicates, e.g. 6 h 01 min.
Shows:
12 h 57 min
